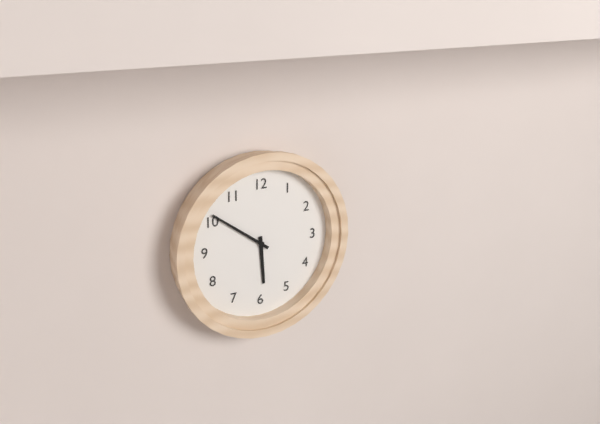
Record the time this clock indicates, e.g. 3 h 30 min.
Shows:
5 h 51 min
